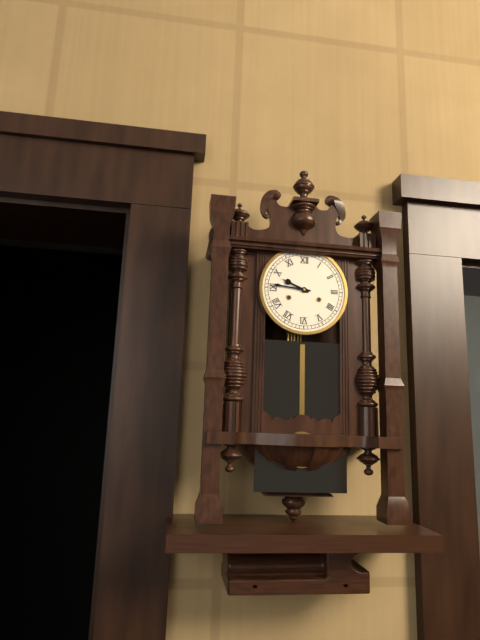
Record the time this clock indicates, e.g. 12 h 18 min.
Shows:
9 h 46 min
